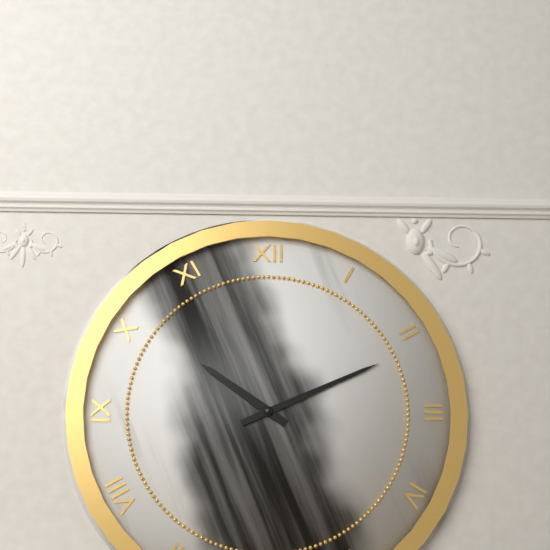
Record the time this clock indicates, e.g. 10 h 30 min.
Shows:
10 h 11 min
